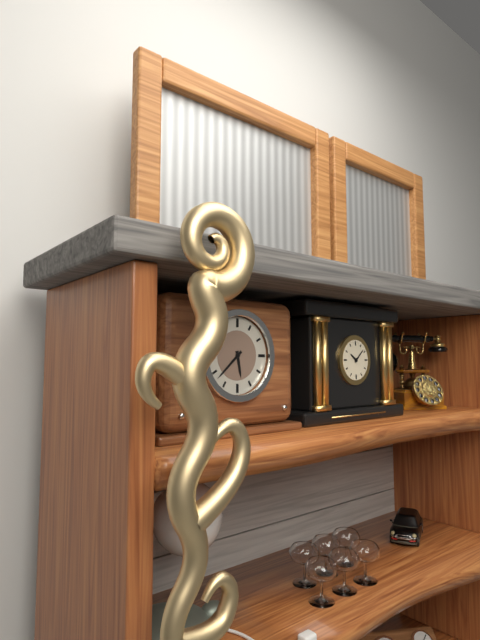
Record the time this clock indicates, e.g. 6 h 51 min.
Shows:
5 h 38 min
